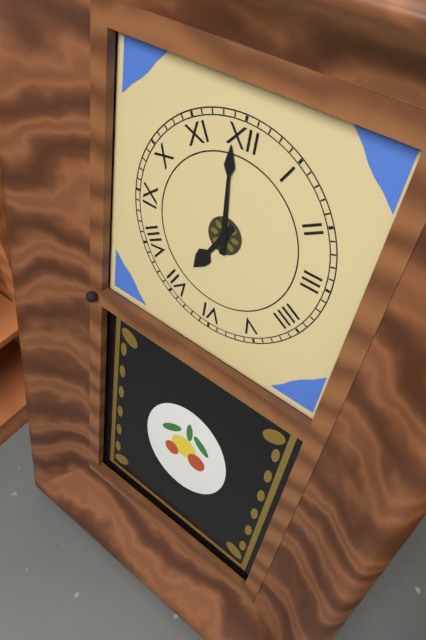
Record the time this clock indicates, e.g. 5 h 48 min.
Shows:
6 h 59 min
